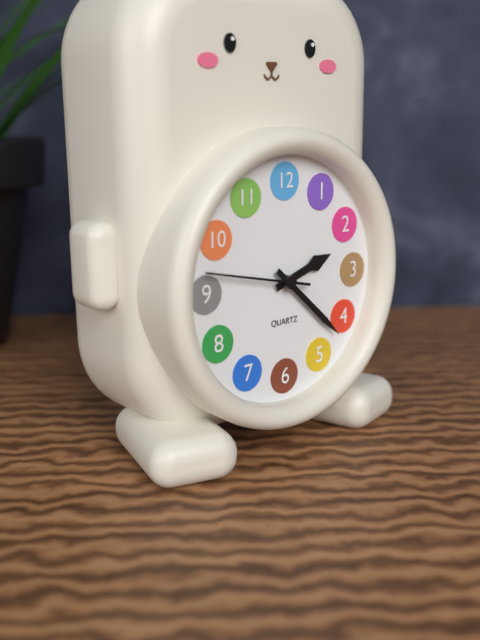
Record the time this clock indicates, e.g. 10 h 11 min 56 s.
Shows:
2 h 22 min 47 s
